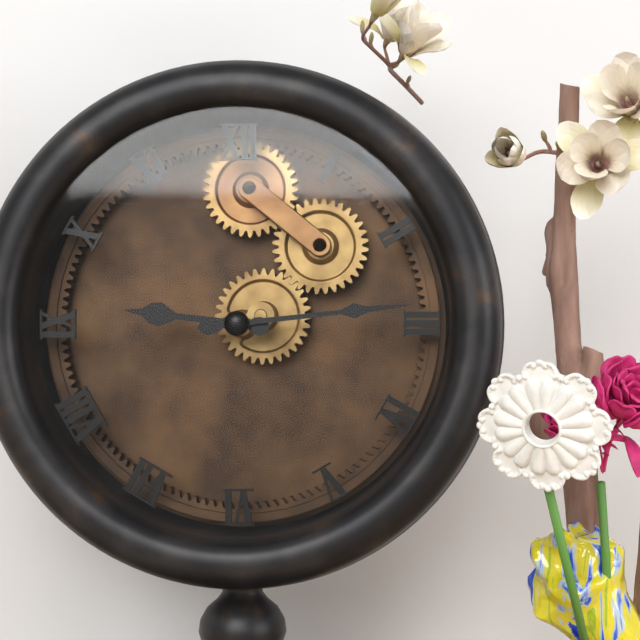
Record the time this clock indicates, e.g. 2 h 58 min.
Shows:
9 h 14 min
